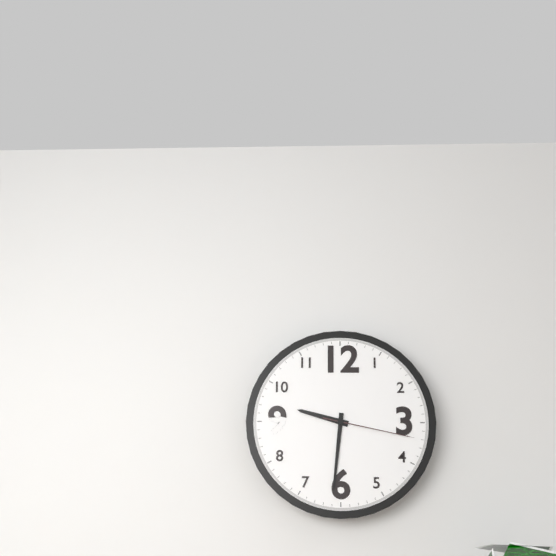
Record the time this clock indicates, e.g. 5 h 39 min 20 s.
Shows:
9 h 31 min 17 s
